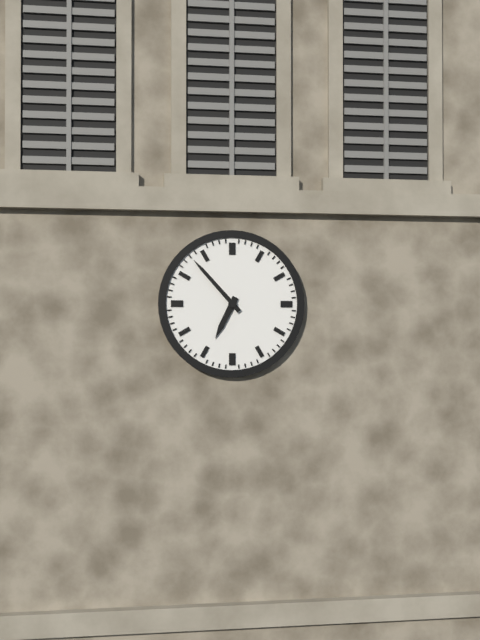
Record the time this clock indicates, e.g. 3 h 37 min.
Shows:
6 h 53 min
